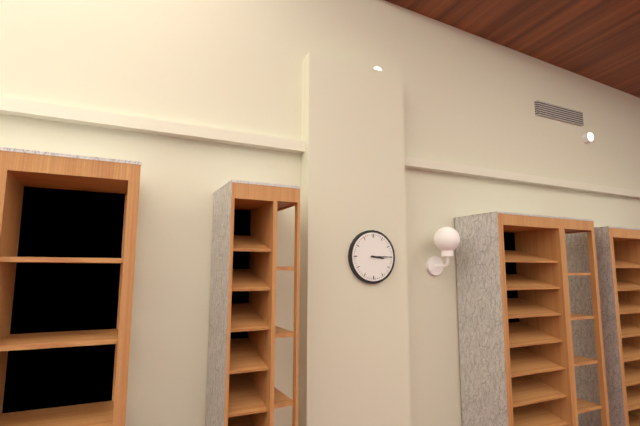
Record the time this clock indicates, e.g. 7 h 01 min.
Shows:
3 h 15 min
